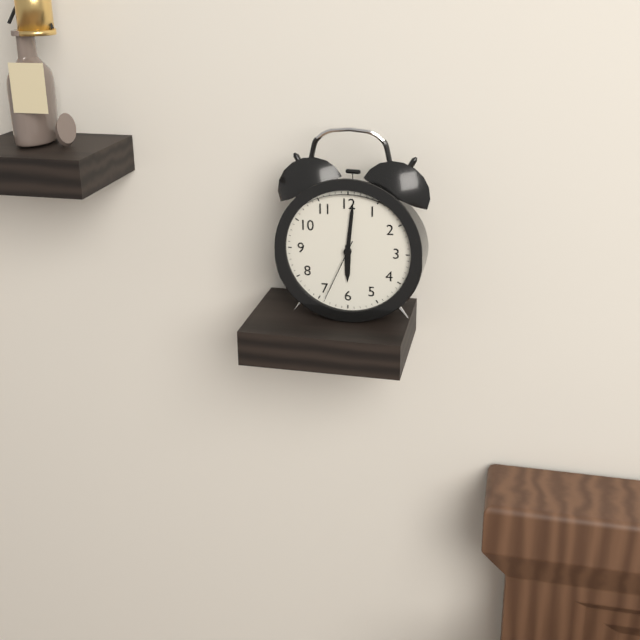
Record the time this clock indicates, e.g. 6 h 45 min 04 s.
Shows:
6 h 01 min 34 s
